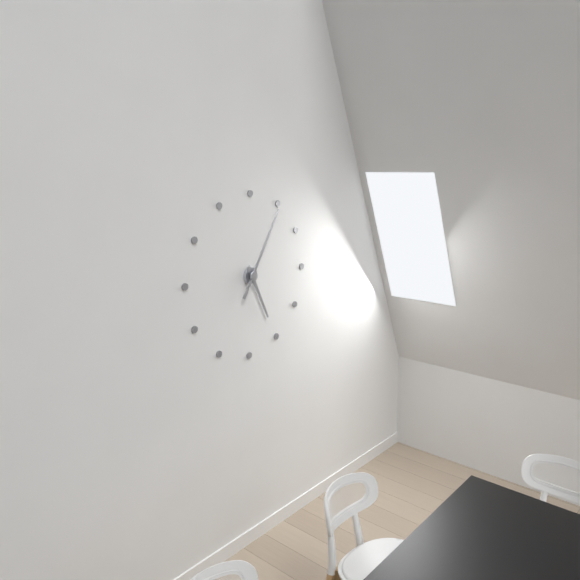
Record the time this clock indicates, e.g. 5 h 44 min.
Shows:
5 h 05 min
